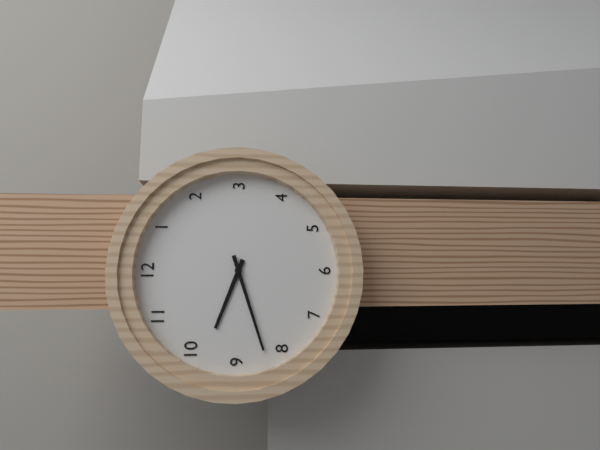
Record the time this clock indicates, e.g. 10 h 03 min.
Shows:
9 h 42 min
